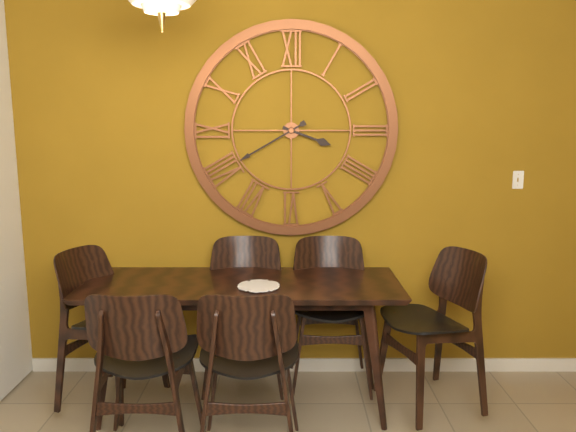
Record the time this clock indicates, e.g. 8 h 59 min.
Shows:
3 h 40 min
